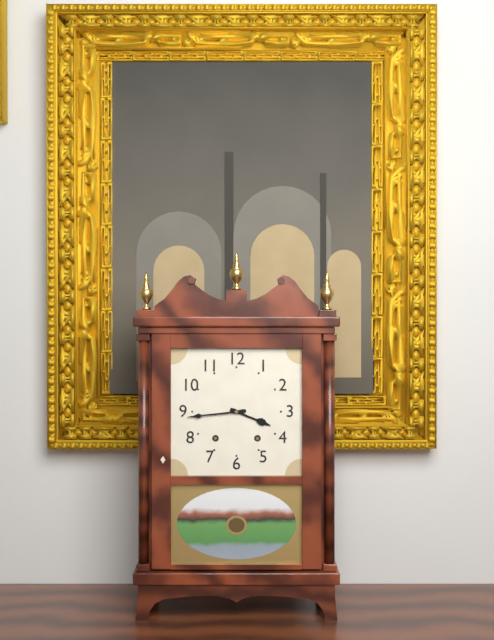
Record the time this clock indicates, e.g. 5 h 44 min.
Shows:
3 h 44 min
